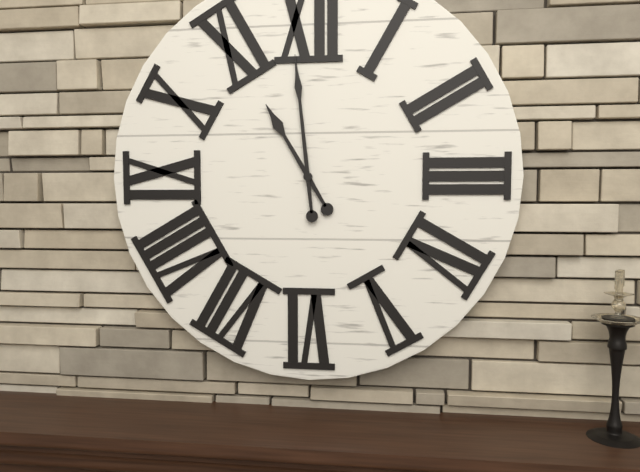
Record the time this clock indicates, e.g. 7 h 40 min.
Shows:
10 h 59 min
